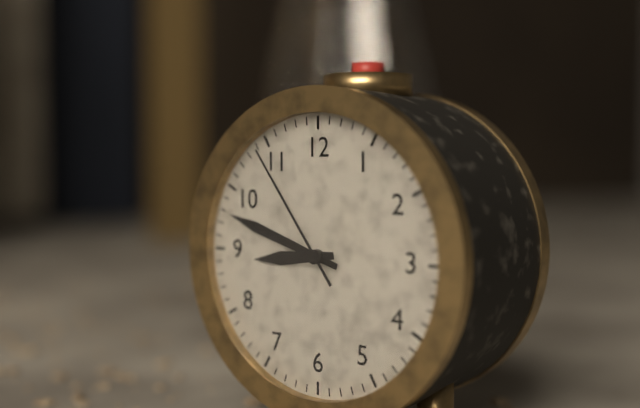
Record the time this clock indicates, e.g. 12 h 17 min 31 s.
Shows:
8 h 48 min 54 s
